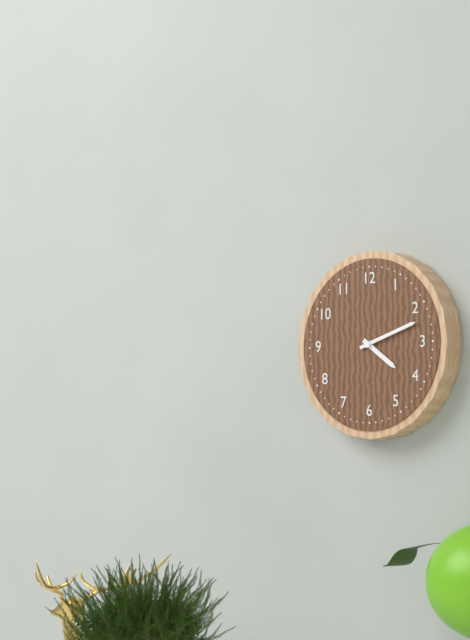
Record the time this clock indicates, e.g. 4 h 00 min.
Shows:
4 h 12 min
